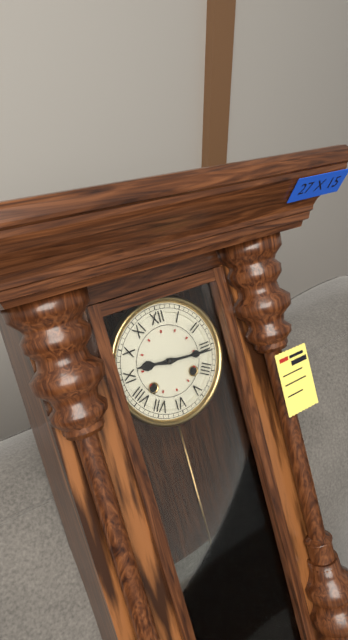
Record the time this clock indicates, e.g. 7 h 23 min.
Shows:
9 h 16 min
